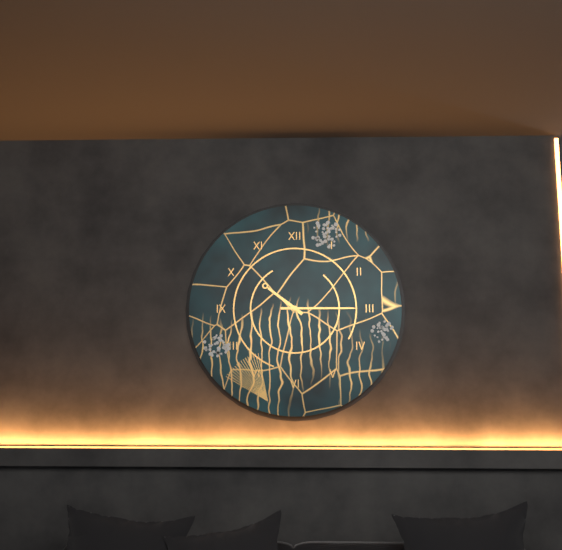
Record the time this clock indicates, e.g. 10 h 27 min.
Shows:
10 h 15 min
